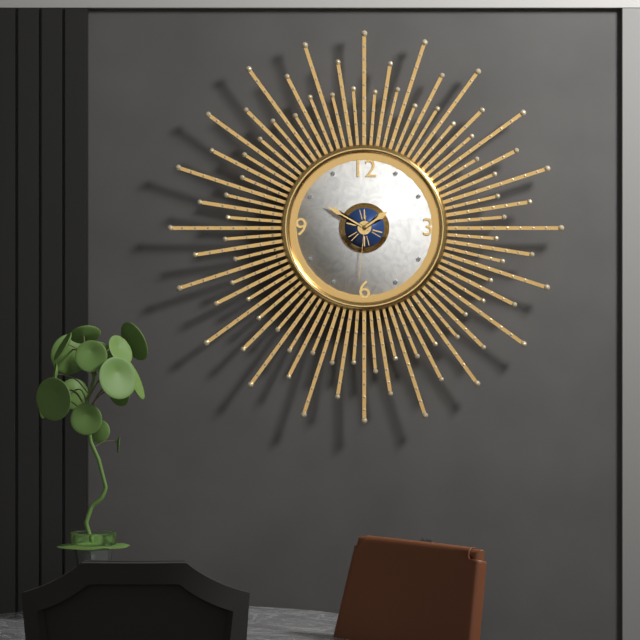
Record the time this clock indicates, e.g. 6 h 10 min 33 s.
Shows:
1 h 50 min 31 s
